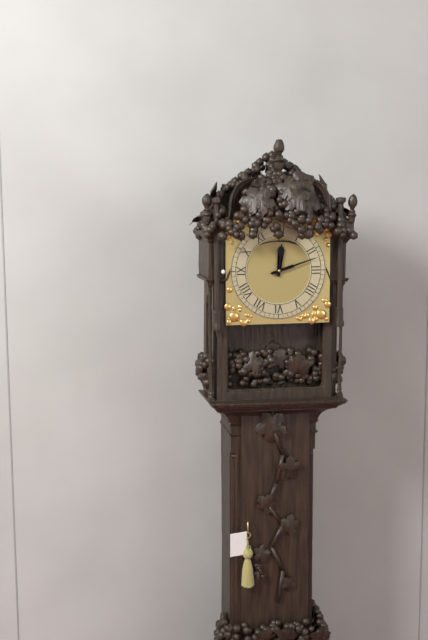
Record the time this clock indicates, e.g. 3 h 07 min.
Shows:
12 h 12 min
